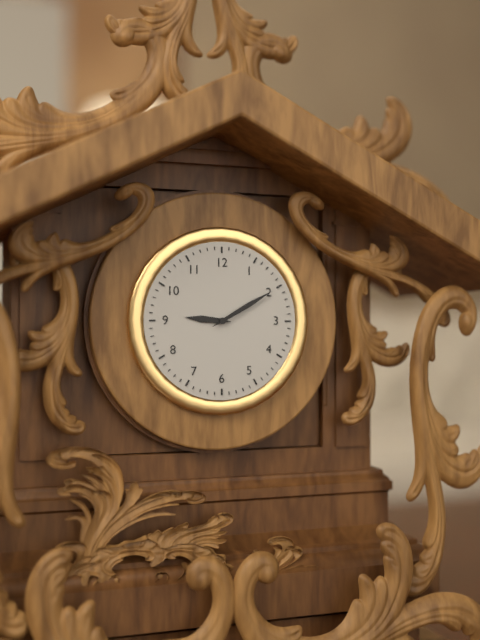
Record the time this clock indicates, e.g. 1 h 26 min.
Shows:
9 h 10 min
